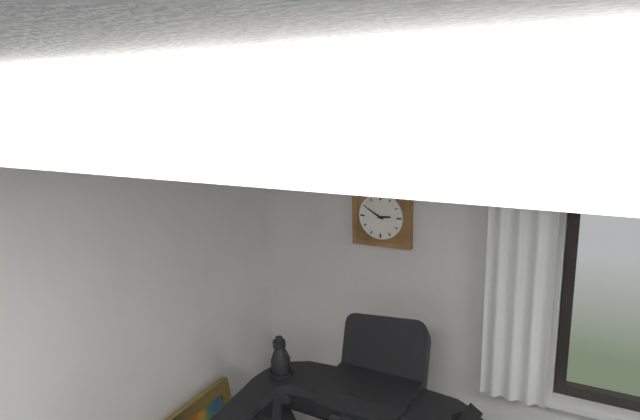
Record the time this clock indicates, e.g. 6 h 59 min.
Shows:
2 h 50 min
